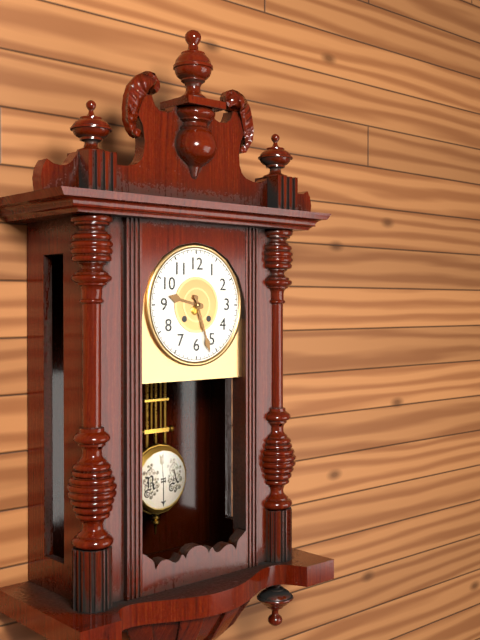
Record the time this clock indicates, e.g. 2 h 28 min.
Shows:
9 h 27 min
